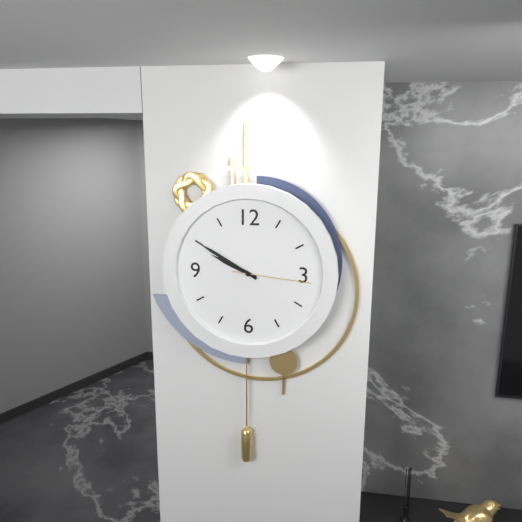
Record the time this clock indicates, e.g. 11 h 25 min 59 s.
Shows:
9 h 50 min 16 s
